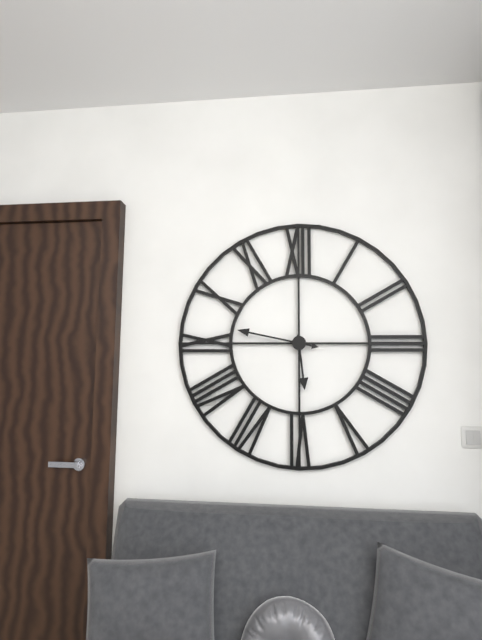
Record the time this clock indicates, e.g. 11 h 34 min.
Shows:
5 h 47 min
